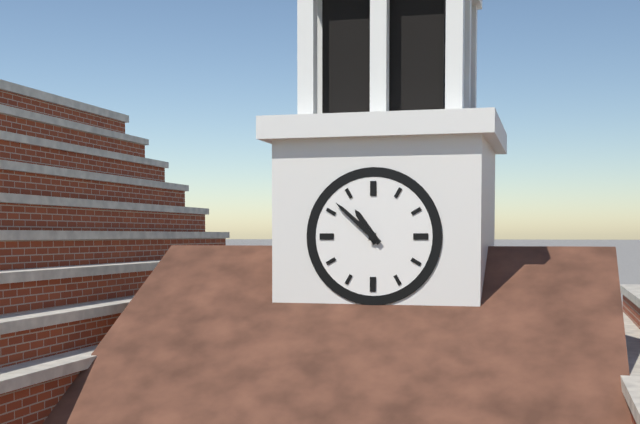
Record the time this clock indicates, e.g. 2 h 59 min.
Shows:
10 h 52 min
